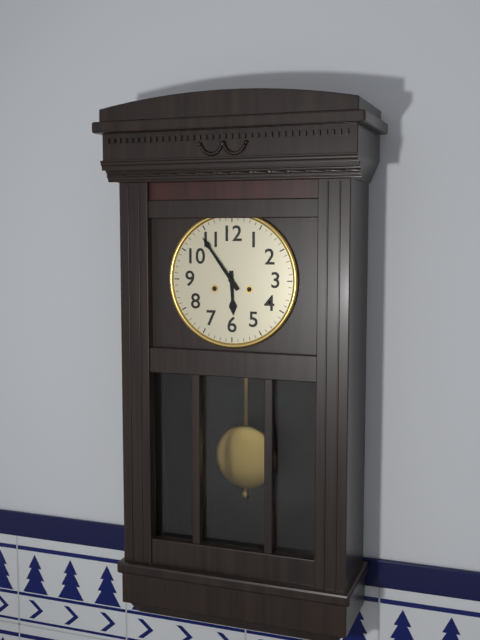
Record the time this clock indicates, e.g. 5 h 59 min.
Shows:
5 h 54 min
